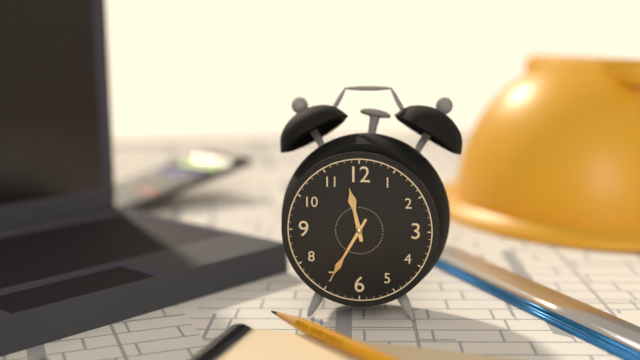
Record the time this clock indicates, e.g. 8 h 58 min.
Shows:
11 h 35 min
